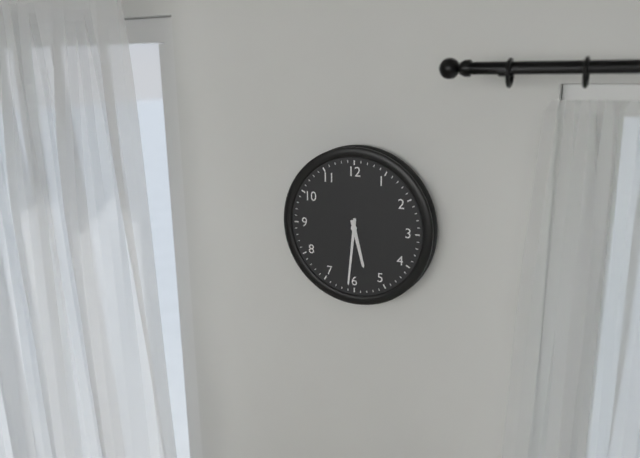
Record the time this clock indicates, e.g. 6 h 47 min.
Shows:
5 h 31 min
